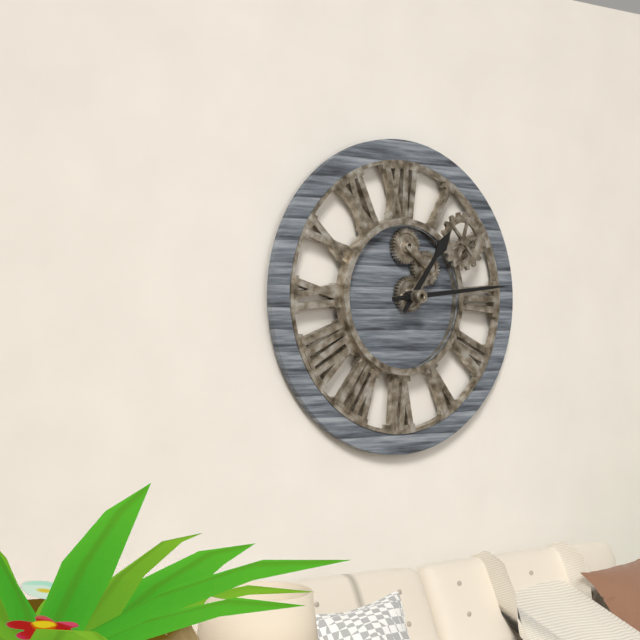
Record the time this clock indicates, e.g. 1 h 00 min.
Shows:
1 h 14 min
